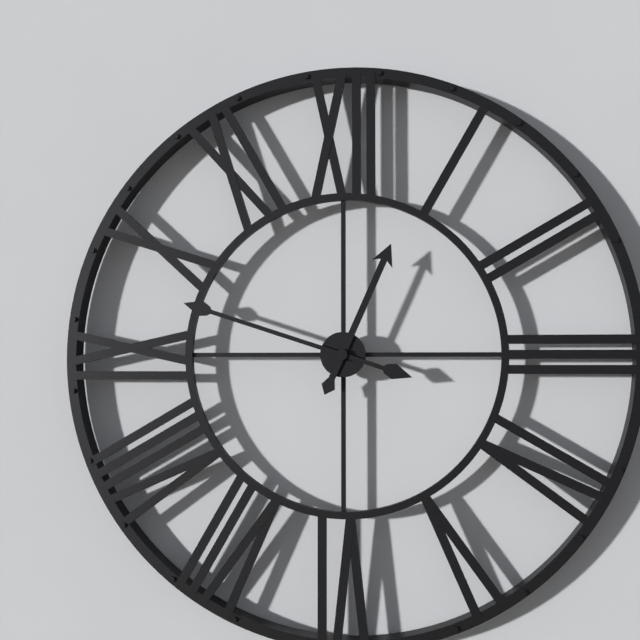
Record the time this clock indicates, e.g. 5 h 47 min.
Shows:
12 h 48 min
